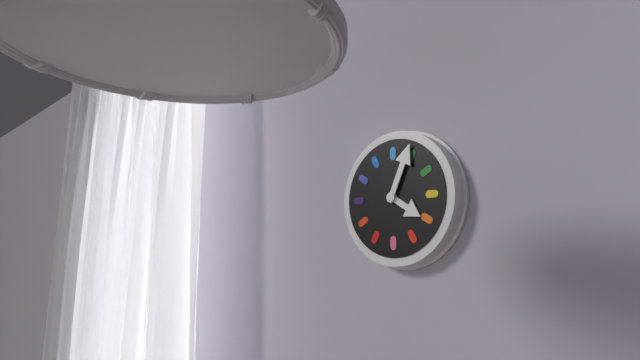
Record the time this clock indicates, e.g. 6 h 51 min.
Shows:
4 h 04 min
